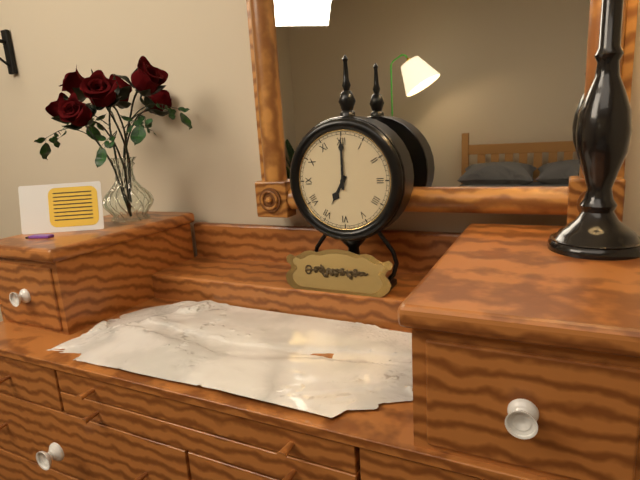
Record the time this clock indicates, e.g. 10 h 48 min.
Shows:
7 h 00 min
